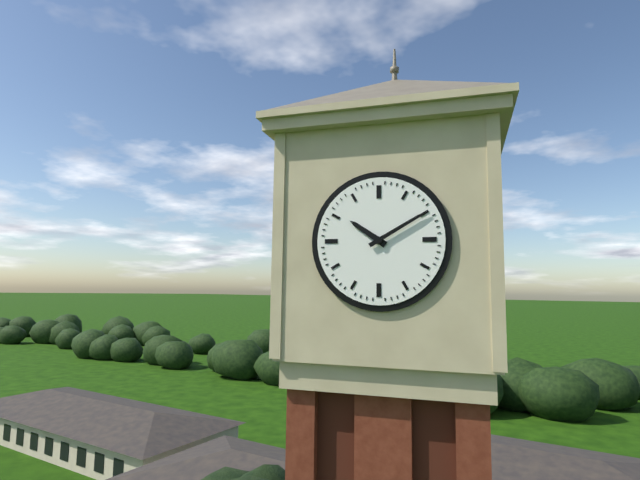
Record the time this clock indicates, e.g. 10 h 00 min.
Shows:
10 h 10 min
